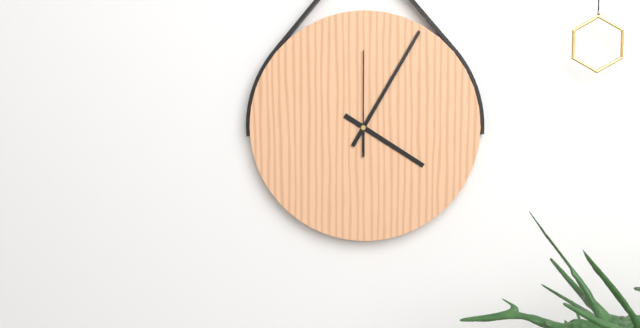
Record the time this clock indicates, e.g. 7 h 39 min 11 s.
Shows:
4 h 05 min 00 s
